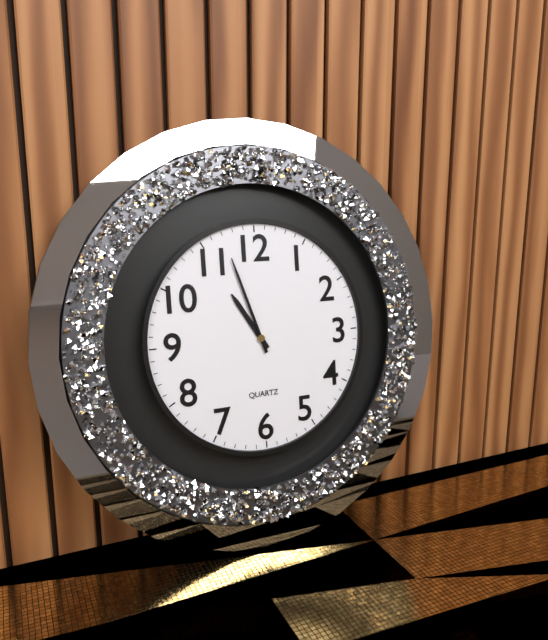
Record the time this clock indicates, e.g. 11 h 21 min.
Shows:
10 h 57 min
